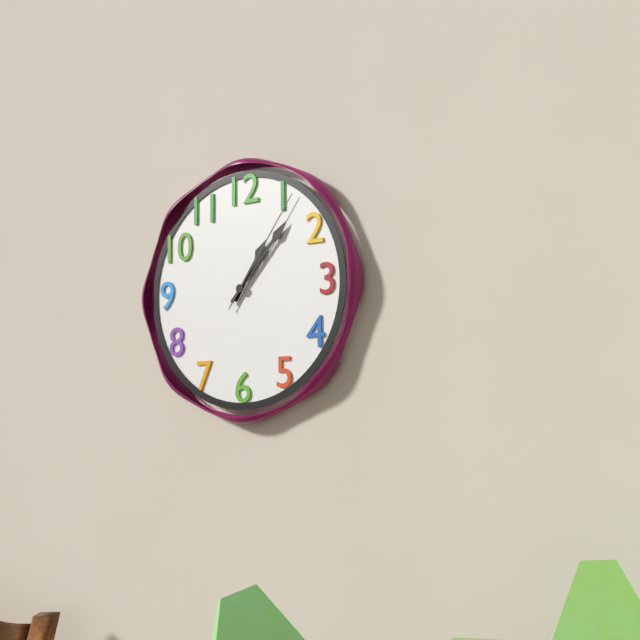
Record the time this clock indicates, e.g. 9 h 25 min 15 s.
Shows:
1 h 07 min 06 s
